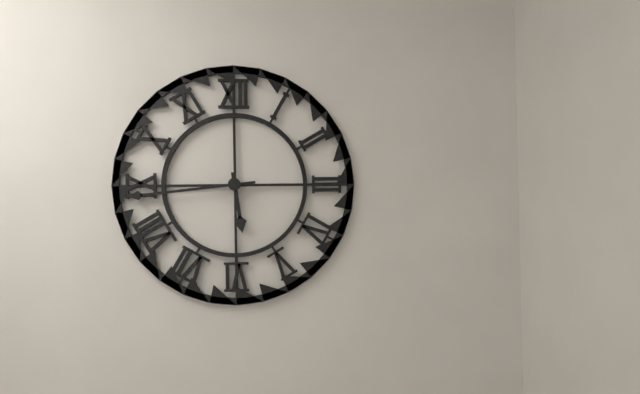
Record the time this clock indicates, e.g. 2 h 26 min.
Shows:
5 h 44 min
